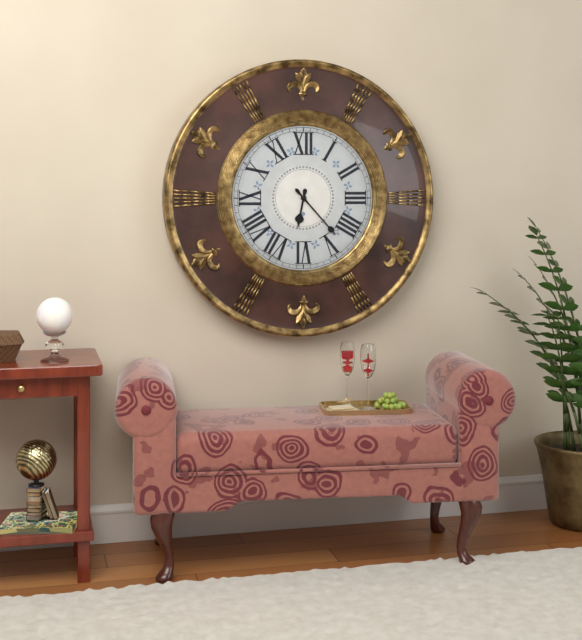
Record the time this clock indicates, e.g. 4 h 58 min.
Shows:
6 h 23 min
